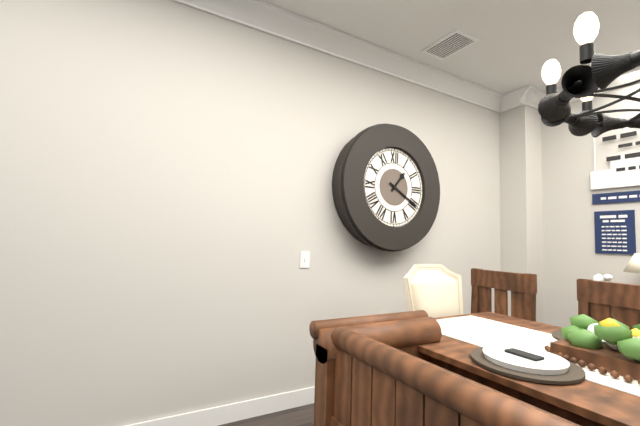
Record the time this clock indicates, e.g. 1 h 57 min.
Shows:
1 h 20 min
